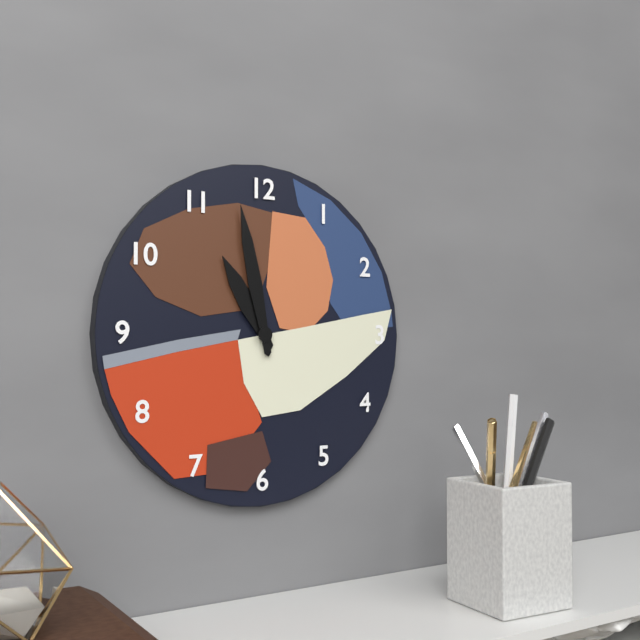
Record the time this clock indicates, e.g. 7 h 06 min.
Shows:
10 h 58 min
